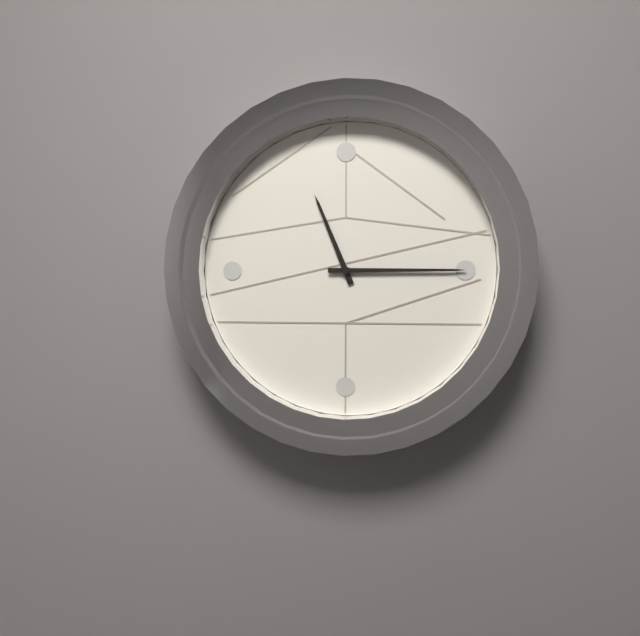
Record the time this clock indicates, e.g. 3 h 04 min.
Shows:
11 h 15 min
